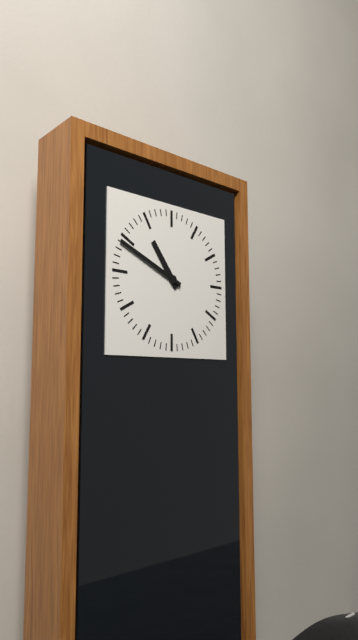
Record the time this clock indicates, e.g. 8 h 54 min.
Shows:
10 h 49 min
